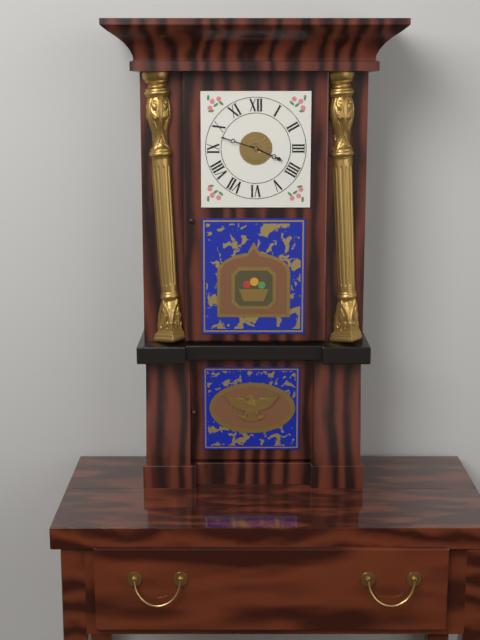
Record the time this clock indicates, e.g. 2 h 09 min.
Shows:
3 h 48 min
